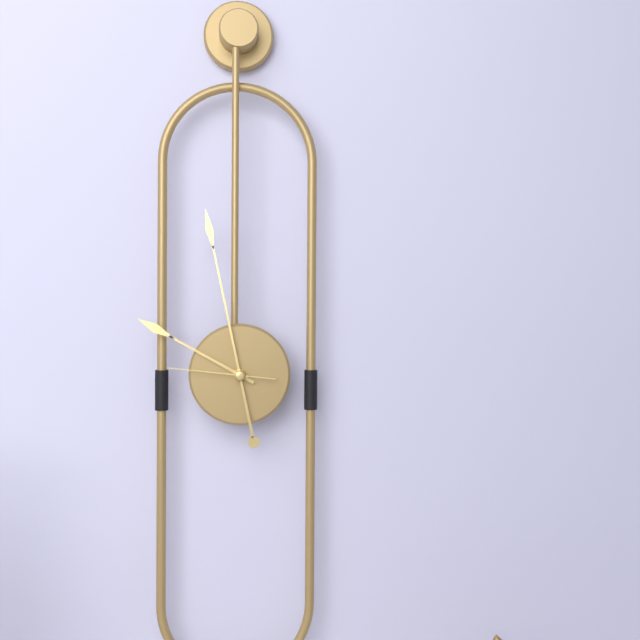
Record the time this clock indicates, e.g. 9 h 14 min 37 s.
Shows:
9 h 58 min 46 s
